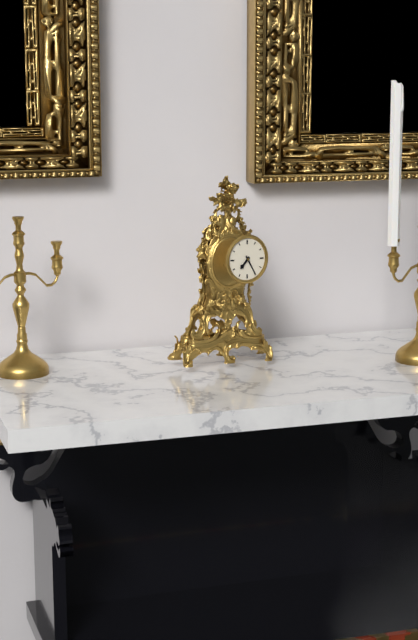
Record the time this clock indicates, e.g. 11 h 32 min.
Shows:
7 h 25 min
